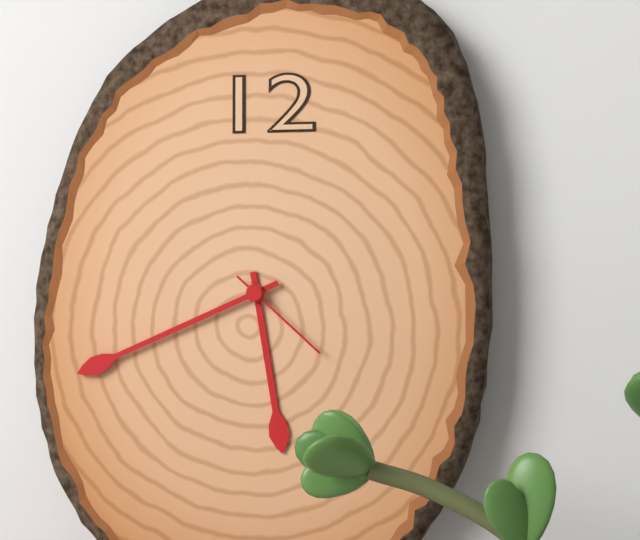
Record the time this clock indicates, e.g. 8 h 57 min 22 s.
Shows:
5 h 41 min 22 s
